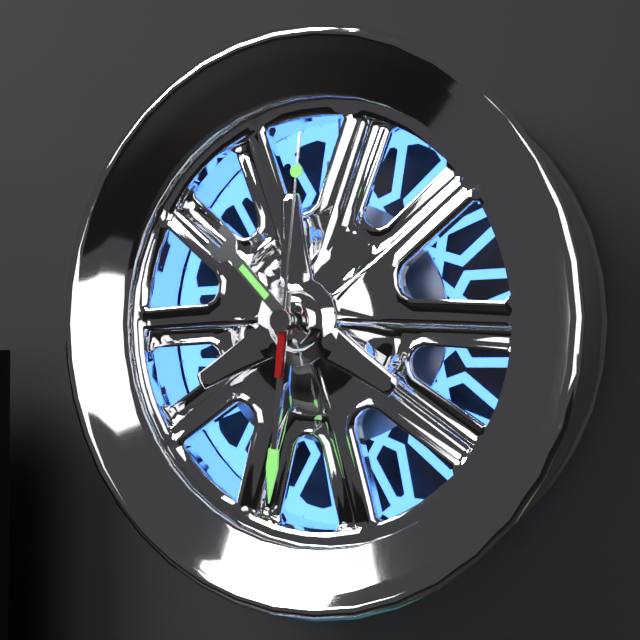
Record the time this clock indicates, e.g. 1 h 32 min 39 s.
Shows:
10 h 31 min 01 s
